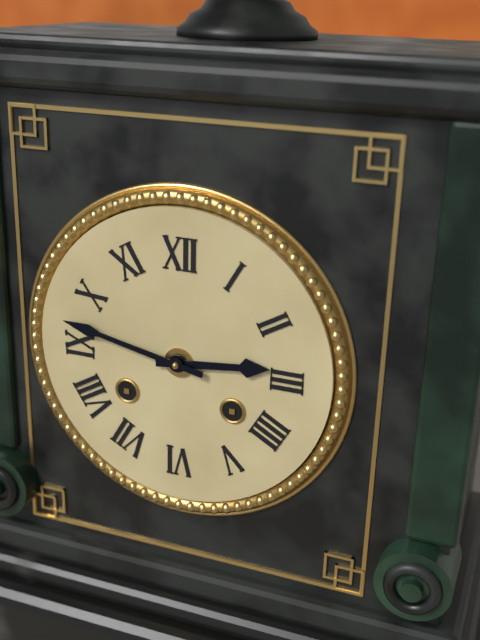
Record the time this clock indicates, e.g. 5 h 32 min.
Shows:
2 h 47 min
